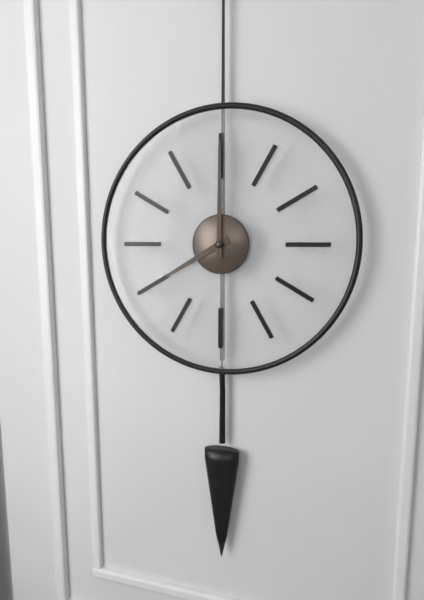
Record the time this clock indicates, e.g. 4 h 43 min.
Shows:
8 h 00 min
